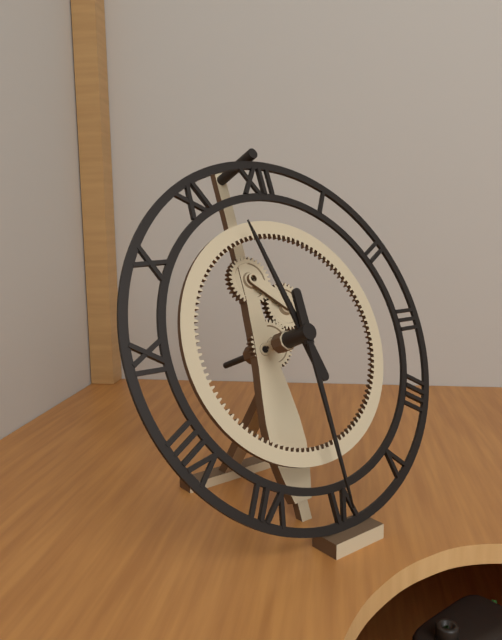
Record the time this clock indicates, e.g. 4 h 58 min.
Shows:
11 h 30 min
